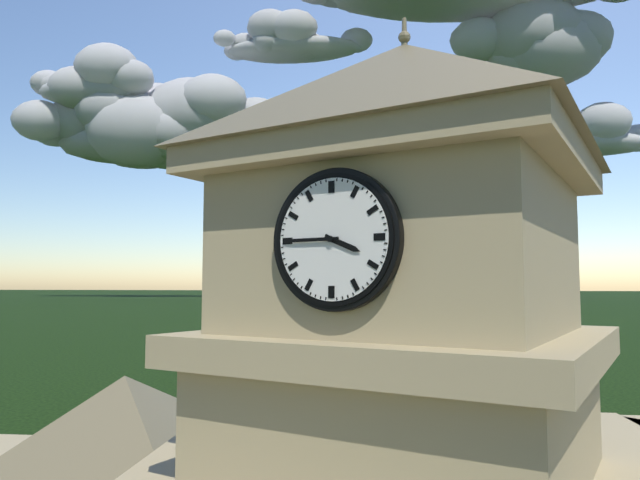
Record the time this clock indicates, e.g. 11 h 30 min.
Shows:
3 h 45 min
